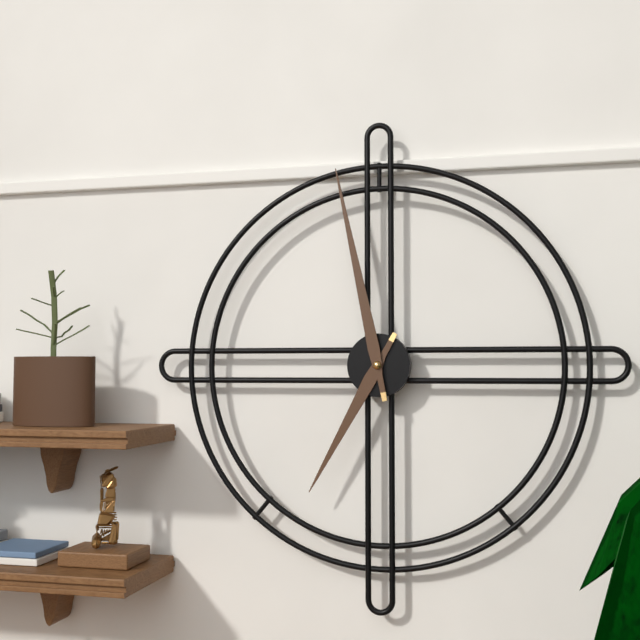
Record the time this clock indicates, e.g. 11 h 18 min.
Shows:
6 h 58 min
